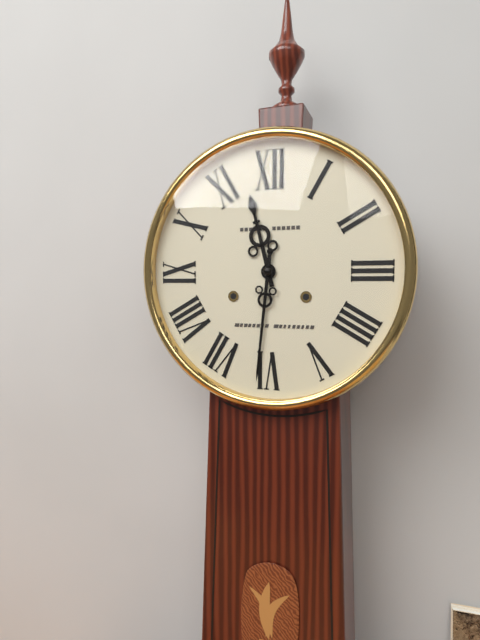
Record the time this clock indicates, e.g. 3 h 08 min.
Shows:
11 h 31 min
